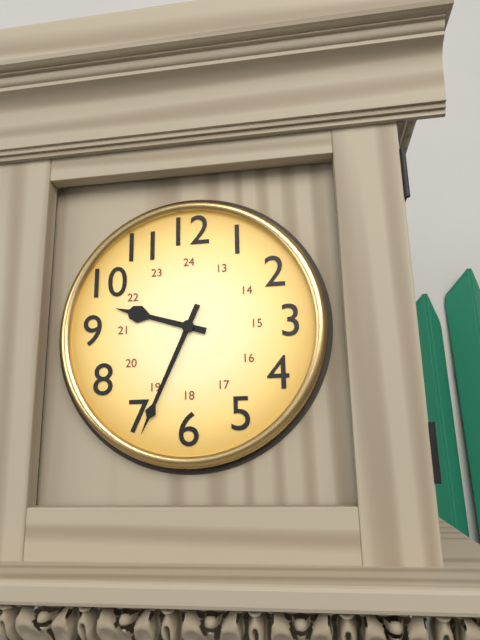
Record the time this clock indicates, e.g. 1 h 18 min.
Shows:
9 h 34 min
